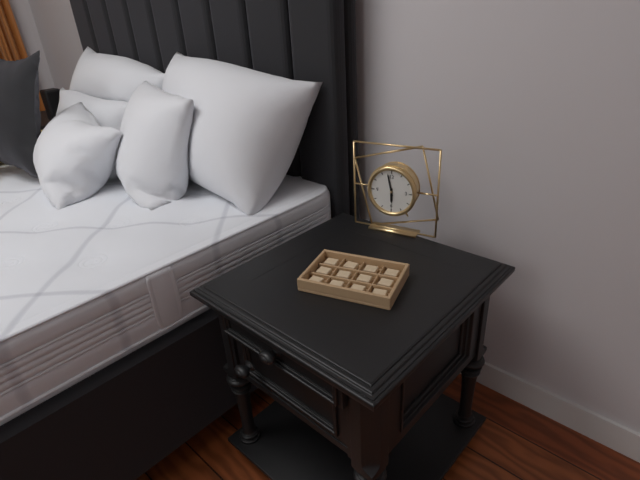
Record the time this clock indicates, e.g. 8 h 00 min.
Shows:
5 h 58 min
